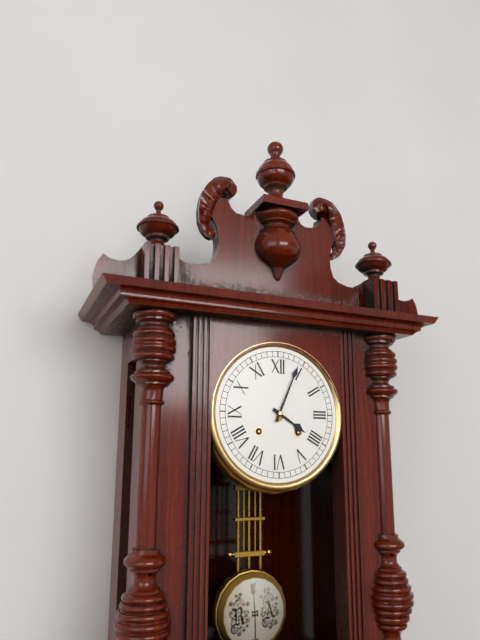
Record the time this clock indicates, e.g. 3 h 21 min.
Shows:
4 h 04 min
